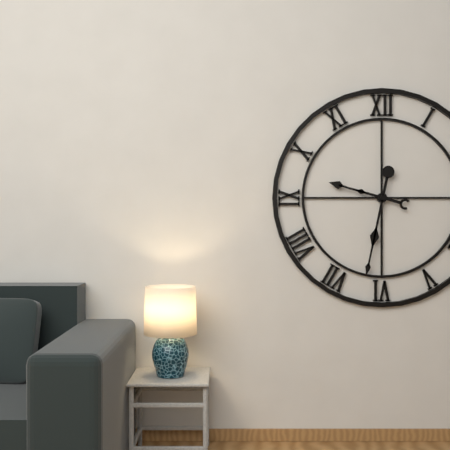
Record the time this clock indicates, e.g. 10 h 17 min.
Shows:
9 h 32 min
